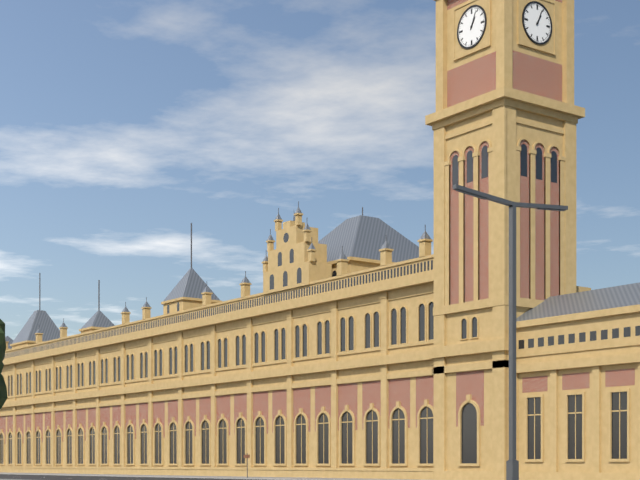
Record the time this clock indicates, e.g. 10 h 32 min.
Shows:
1 h 04 min
